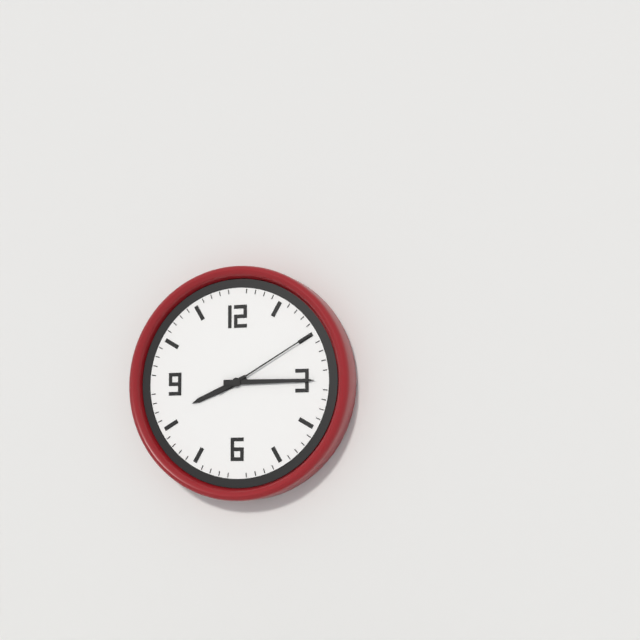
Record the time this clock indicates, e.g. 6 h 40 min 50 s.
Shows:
8 h 15 min 10 s
